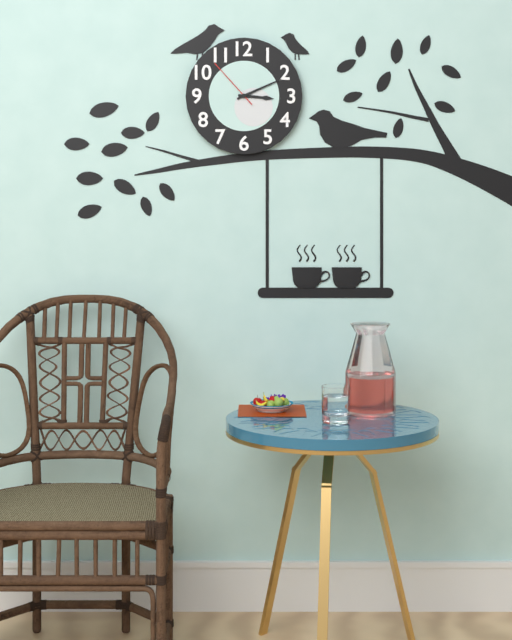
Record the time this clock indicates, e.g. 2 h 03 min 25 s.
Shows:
3 h 11 min 53 s
